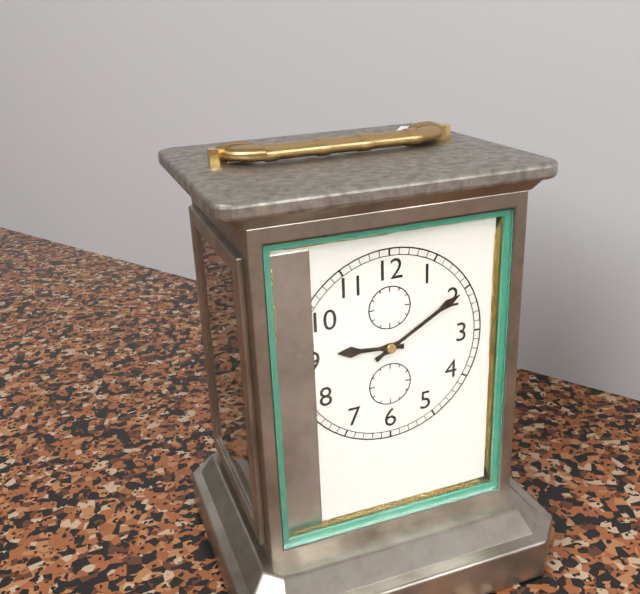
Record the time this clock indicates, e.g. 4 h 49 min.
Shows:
9 h 10 min
